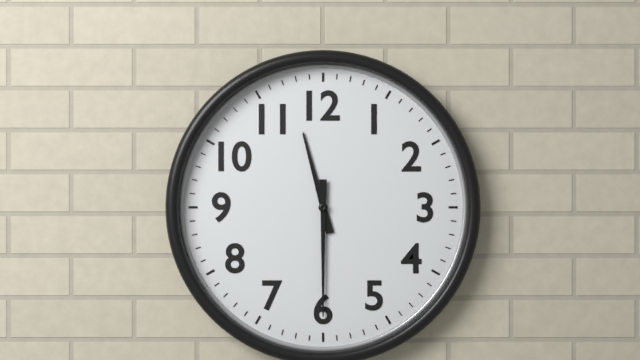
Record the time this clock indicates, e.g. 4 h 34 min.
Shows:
11 h 30 min
